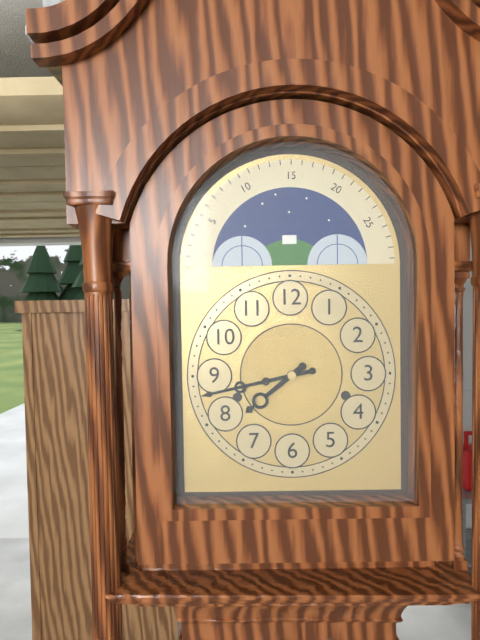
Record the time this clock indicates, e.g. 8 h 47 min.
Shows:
7 h 43 min
